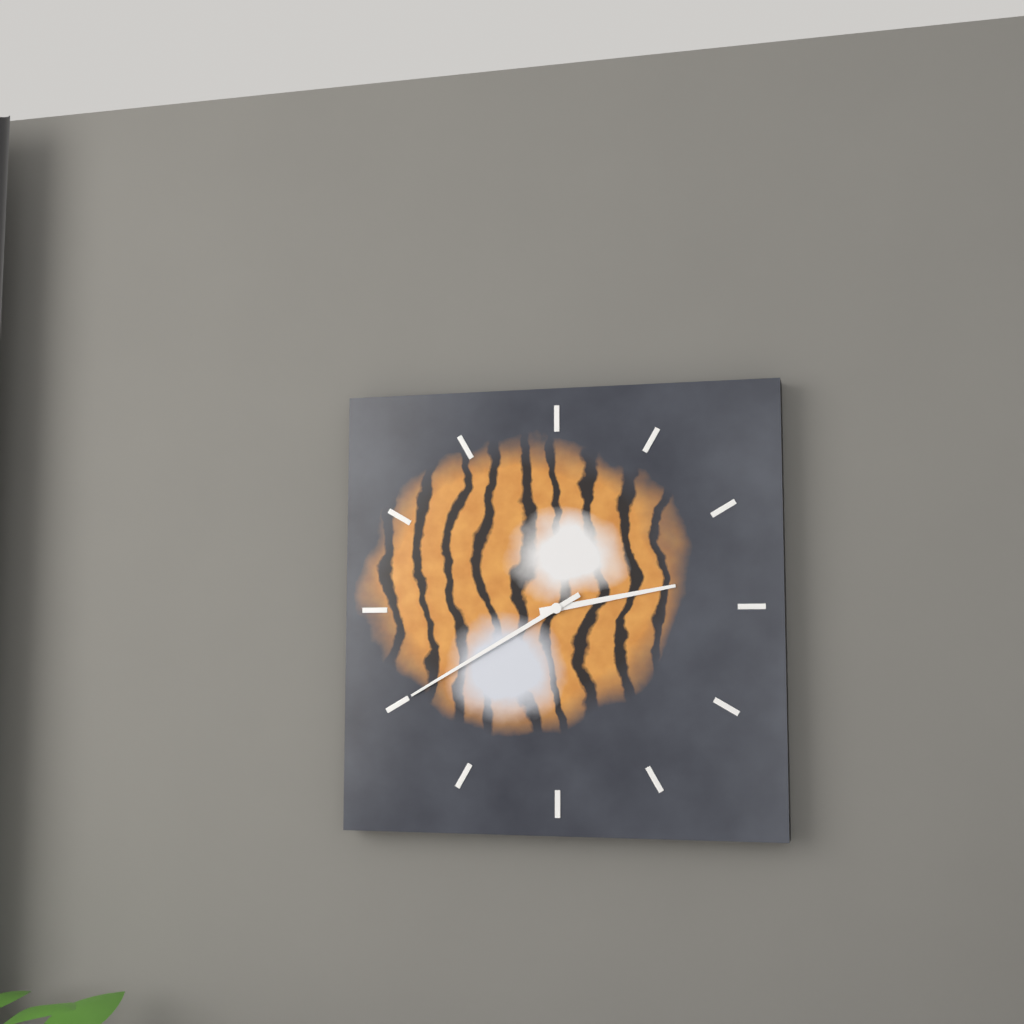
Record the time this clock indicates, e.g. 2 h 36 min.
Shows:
2 h 40 min
